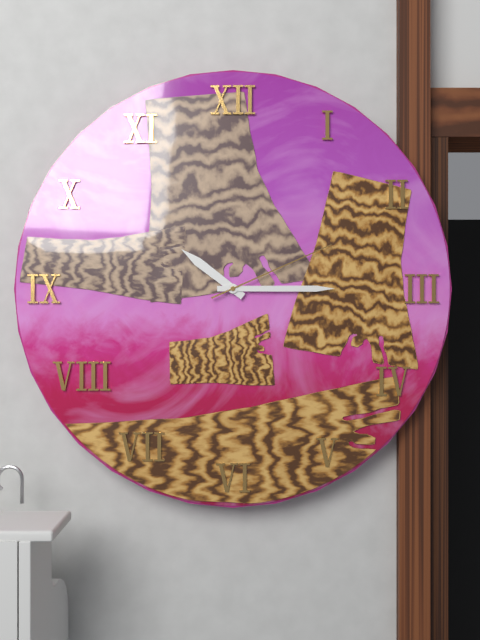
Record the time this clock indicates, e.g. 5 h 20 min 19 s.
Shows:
10 h 15 min 11 s
